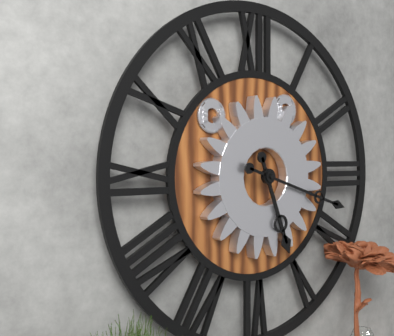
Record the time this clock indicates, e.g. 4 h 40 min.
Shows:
5 h 18 min
